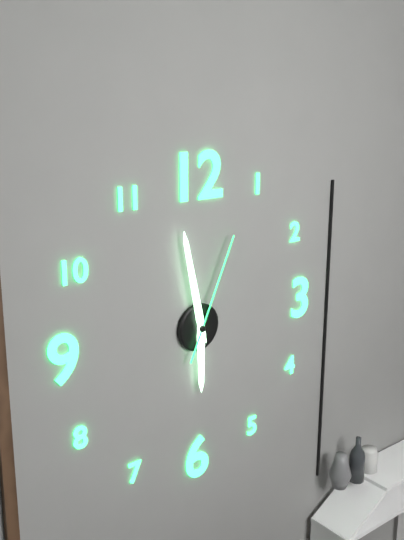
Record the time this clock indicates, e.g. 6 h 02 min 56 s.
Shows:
5 h 58 min 04 s
